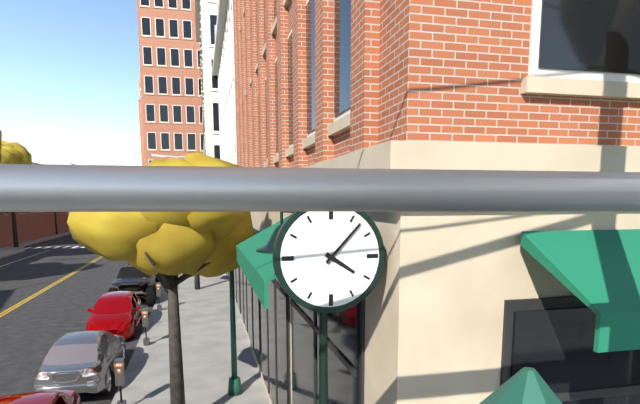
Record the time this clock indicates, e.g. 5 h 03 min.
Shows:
4 h 07 min
